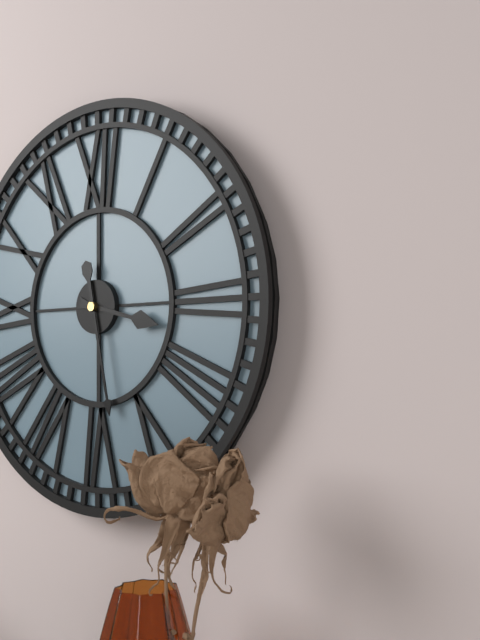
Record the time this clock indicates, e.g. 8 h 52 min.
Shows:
3 h 28 min
